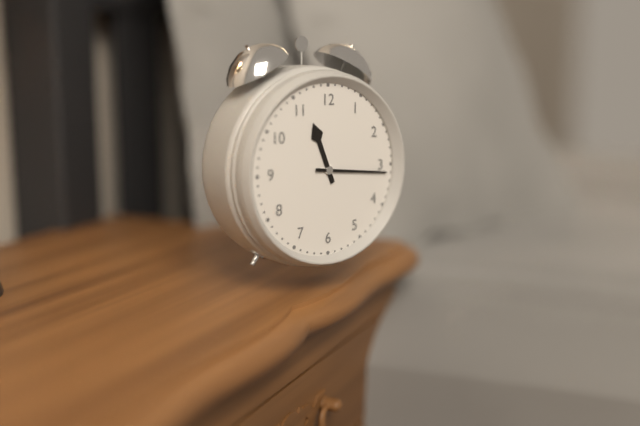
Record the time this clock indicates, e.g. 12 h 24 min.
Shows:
11 h 16 min
